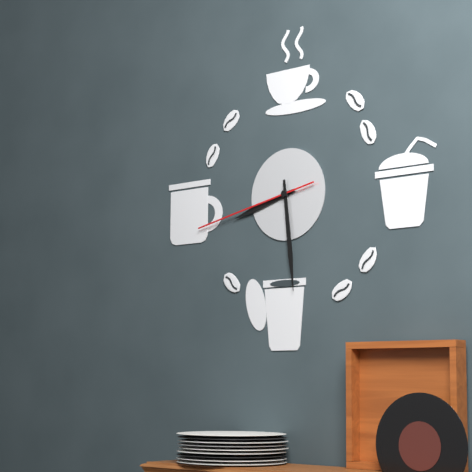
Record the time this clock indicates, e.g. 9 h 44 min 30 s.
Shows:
8 h 29 min 43 s
